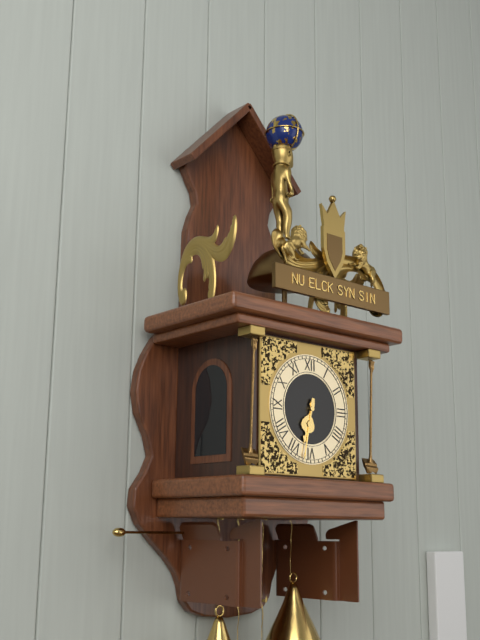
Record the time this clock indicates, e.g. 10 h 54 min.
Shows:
6 h 32 min
